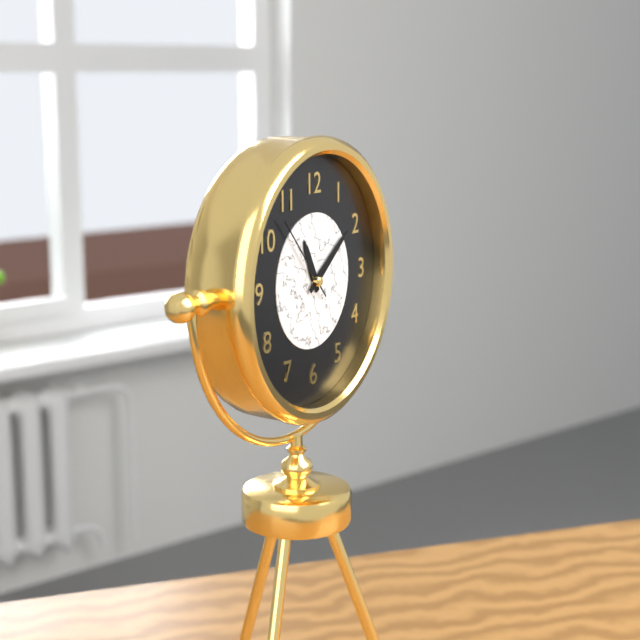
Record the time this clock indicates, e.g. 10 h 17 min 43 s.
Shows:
11 h 09 min 53 s
